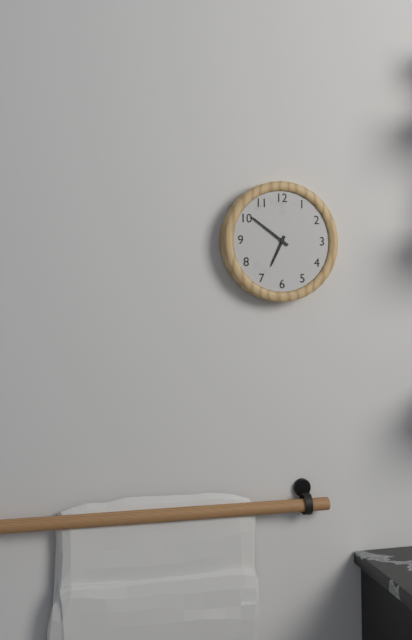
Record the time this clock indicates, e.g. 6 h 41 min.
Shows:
6 h 51 min
